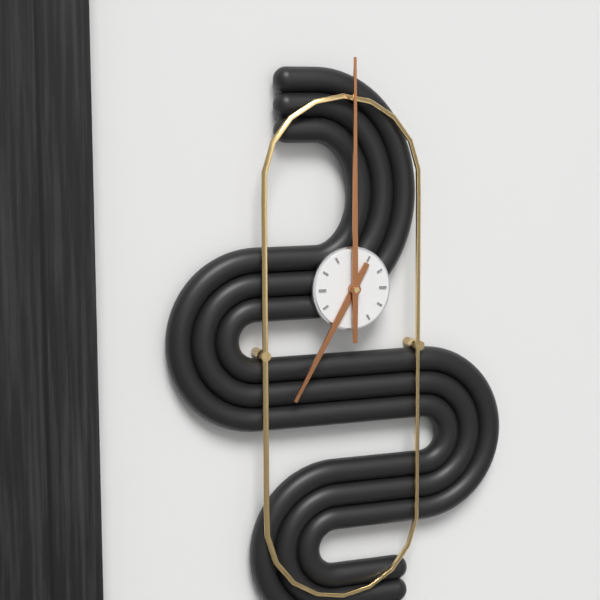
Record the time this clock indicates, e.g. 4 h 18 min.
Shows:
7 h 00 min
